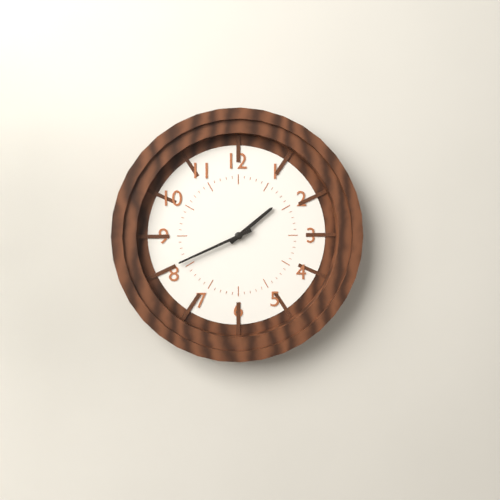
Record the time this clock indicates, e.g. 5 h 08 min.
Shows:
1 h 41 min
